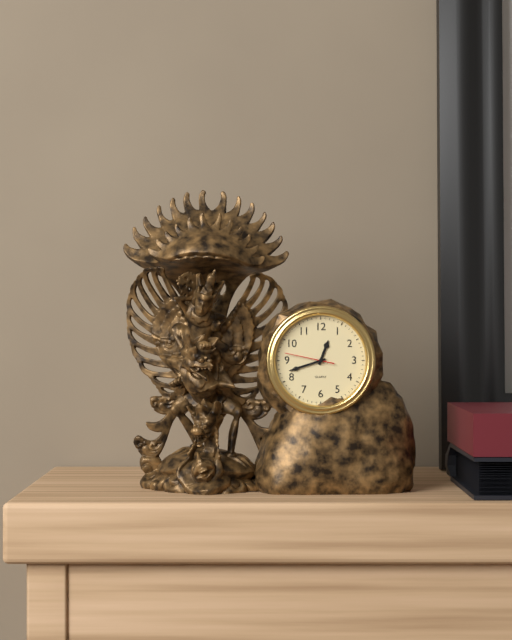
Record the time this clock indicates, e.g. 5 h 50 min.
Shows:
12 h 42 min
